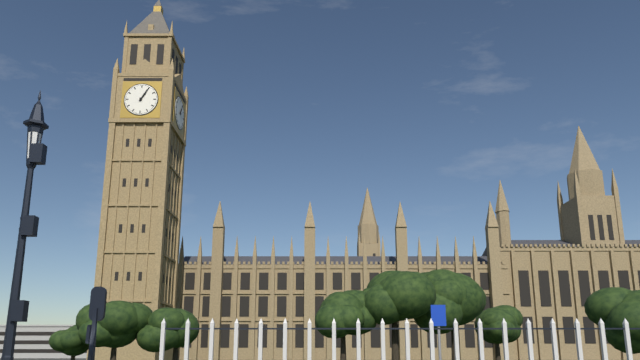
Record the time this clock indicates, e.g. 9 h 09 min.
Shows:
1 h 05 min
